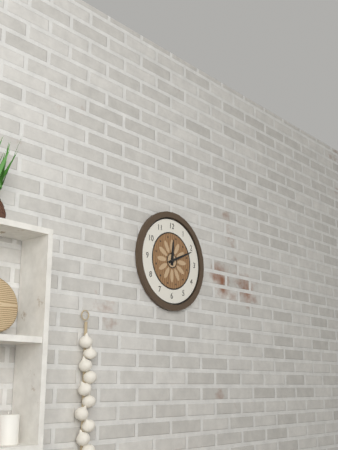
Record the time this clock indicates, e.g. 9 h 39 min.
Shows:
12 h 11 min
